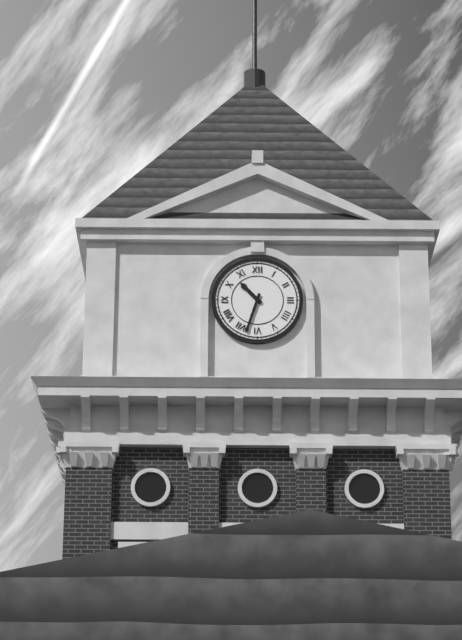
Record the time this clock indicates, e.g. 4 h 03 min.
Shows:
10 h 33 min
